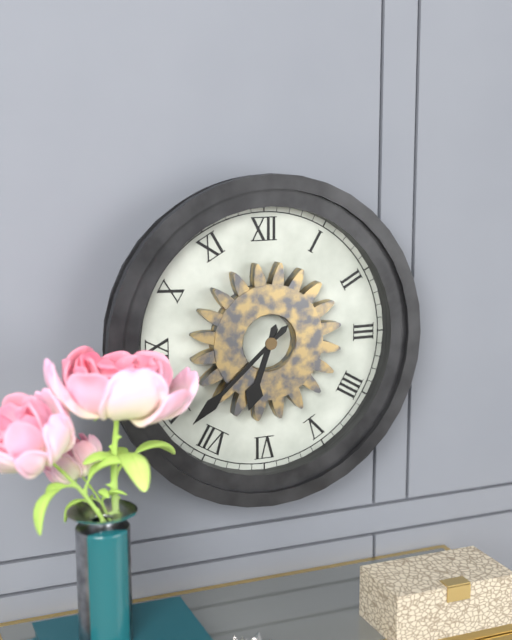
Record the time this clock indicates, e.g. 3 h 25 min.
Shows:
6 h 38 min
